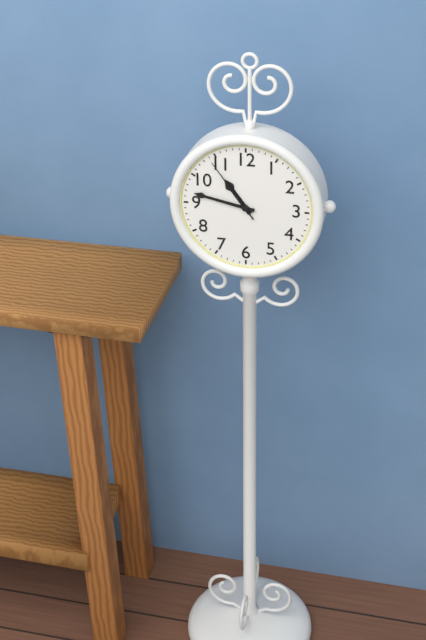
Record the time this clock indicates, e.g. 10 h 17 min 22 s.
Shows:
10 h 47 min 54 s
